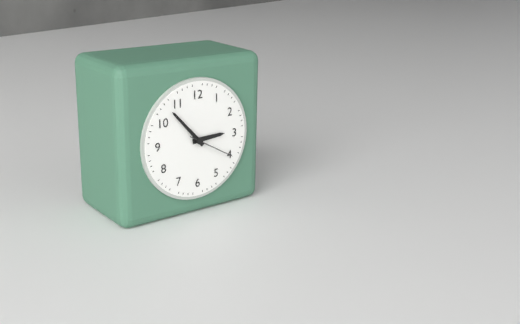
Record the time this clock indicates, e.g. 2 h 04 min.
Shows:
2 h 53 min
